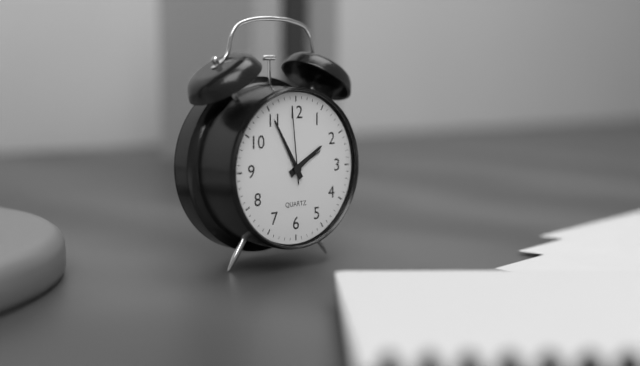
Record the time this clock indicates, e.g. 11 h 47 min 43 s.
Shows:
1 h 55 min 59 s
